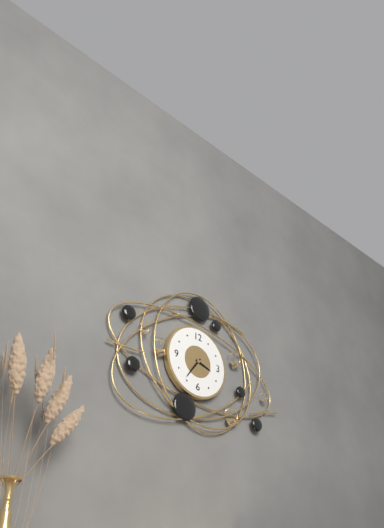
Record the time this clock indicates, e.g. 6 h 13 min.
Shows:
3 h 36 min
